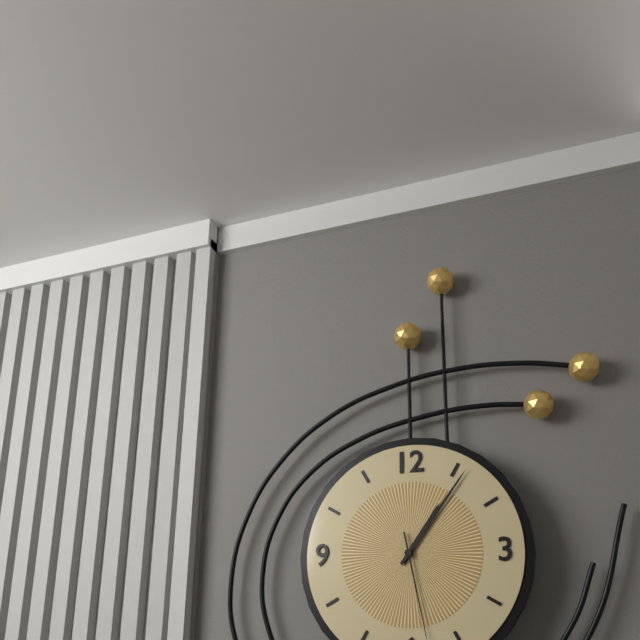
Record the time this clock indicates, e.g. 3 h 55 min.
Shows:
1 h 06 min
